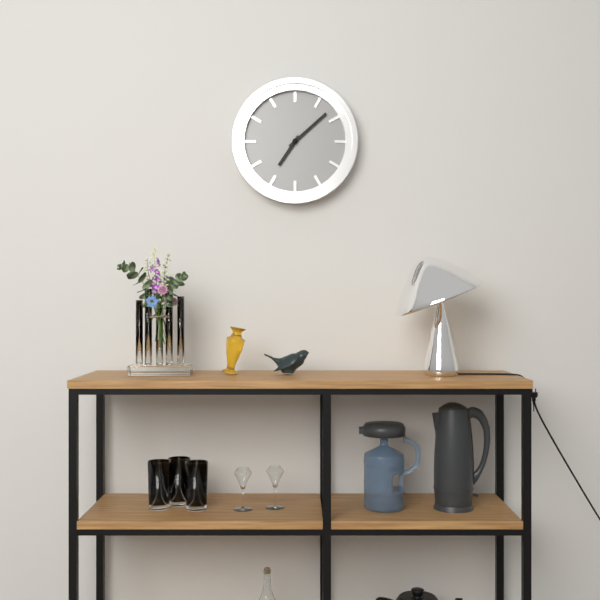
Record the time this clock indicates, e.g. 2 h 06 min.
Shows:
7 h 08 min
